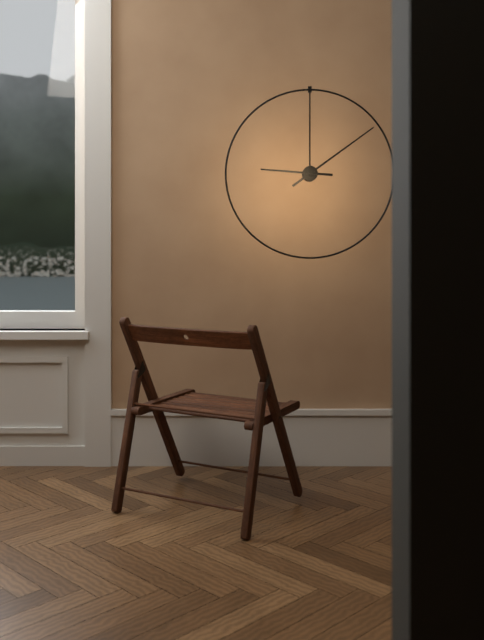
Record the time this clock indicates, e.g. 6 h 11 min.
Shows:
9 h 09 min
